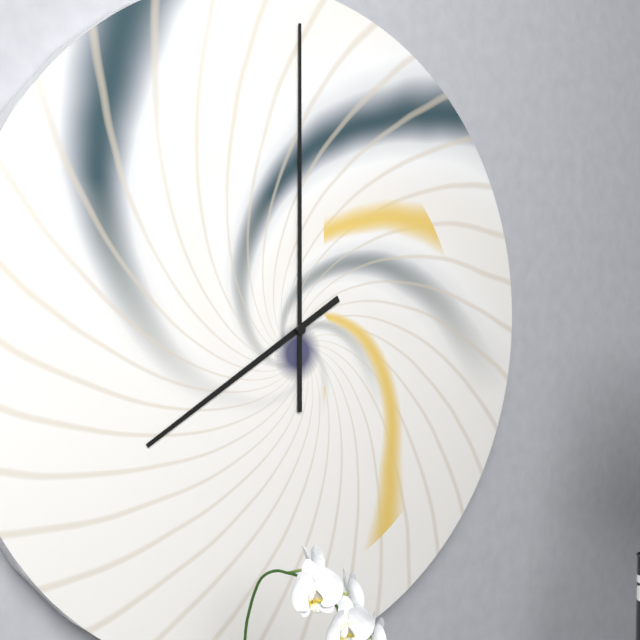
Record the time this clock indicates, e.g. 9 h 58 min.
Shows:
8 h 00 min
